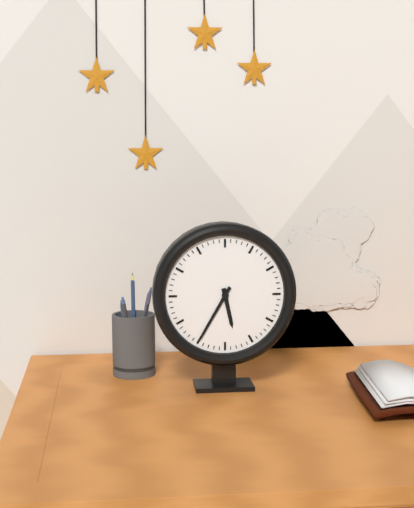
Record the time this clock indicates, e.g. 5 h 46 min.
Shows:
5 h 35 min
